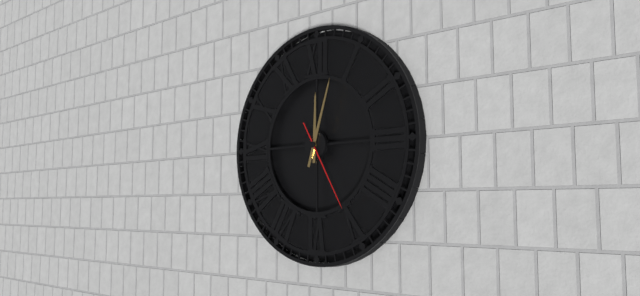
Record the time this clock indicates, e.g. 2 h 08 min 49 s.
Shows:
12 h 03 min 25 s
